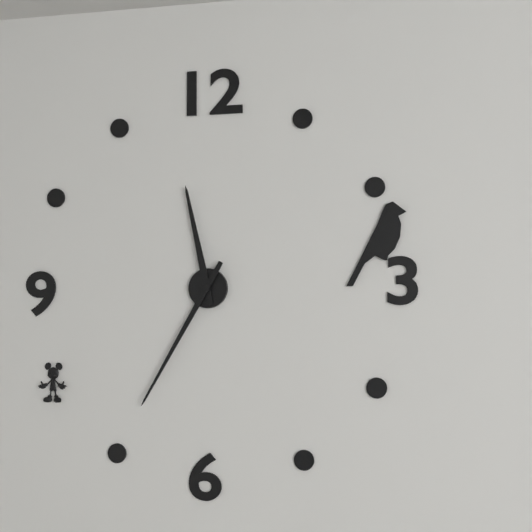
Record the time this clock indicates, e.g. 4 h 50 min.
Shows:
11 h 35 min
